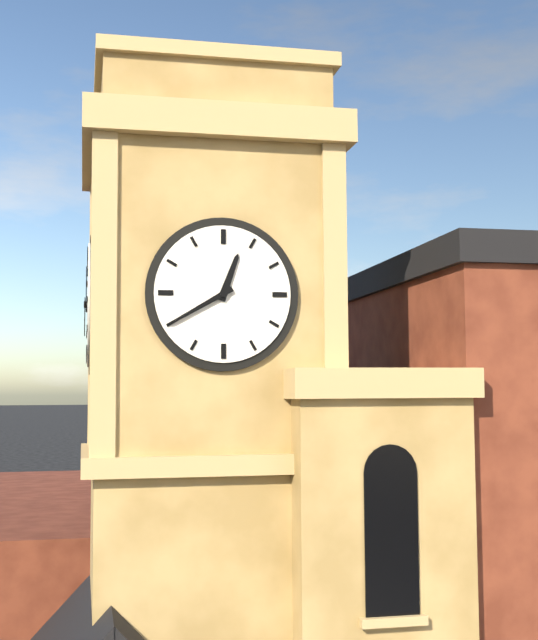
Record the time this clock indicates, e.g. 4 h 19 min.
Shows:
12 h 40 min
